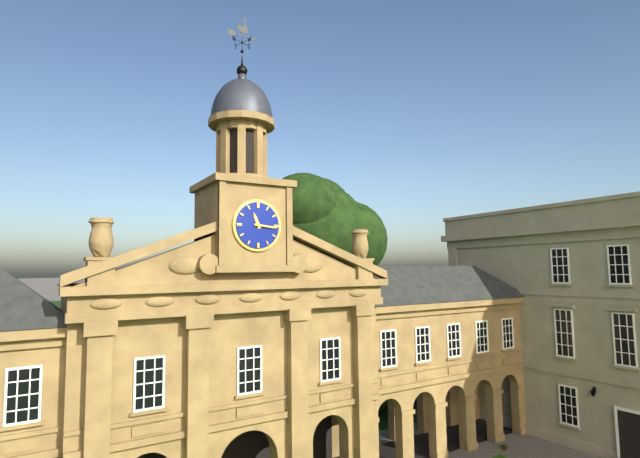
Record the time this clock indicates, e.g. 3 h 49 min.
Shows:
11 h 16 min
